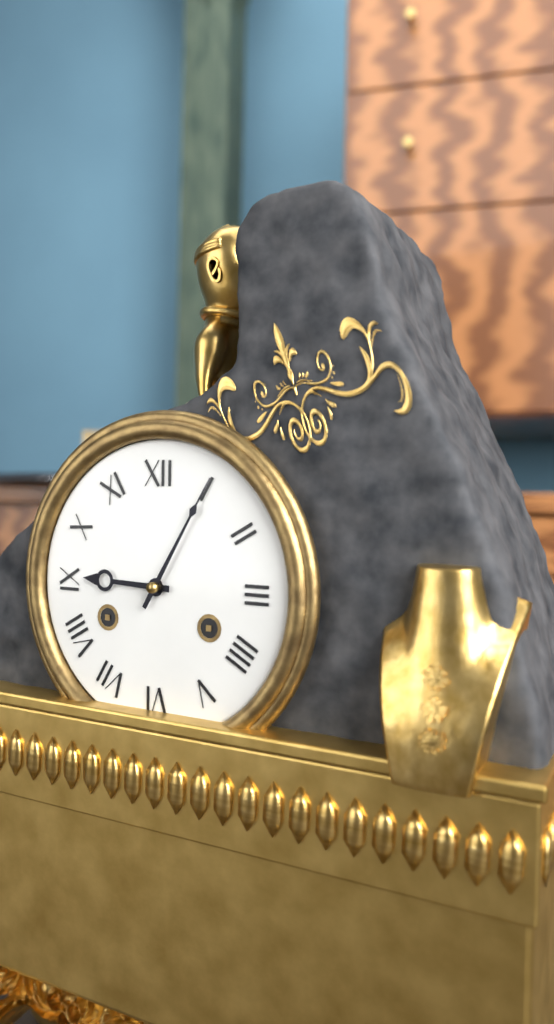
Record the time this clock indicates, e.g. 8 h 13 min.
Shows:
9 h 05 min
